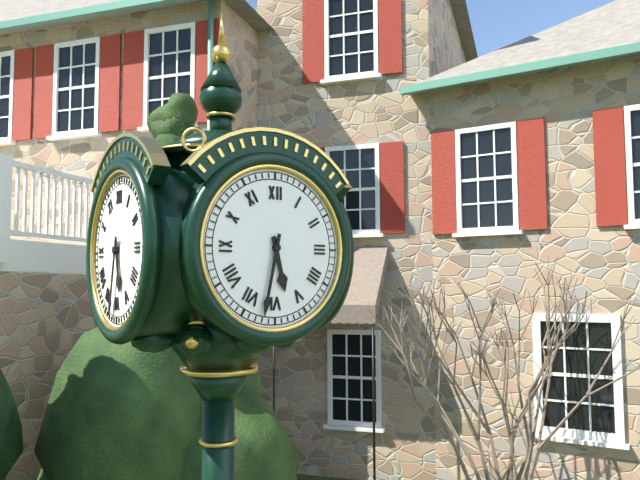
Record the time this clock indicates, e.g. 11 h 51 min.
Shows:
5 h 32 min
